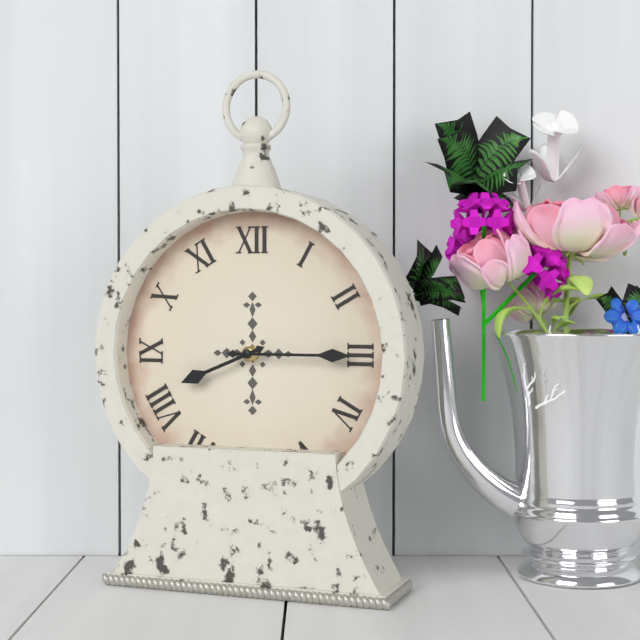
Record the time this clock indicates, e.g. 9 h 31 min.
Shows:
8 h 15 min
